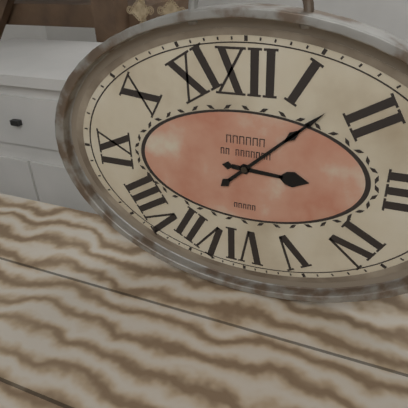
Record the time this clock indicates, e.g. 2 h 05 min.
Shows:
3 h 08 min
